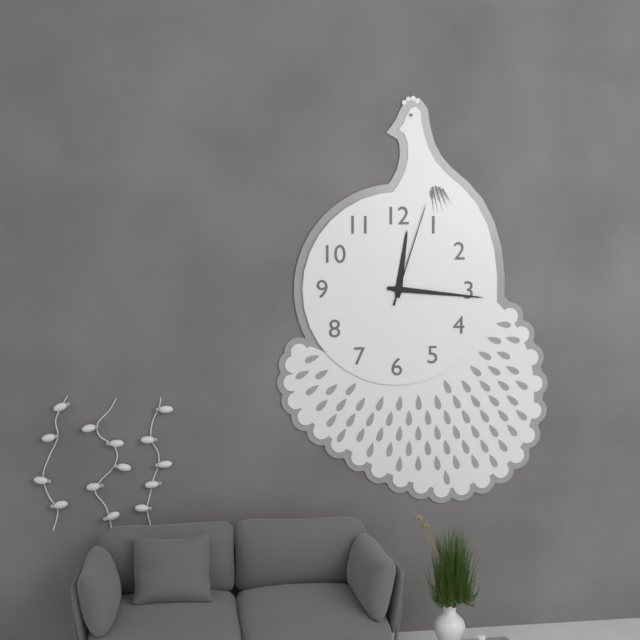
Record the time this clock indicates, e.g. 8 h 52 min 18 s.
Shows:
12 h 16 min 03 s
